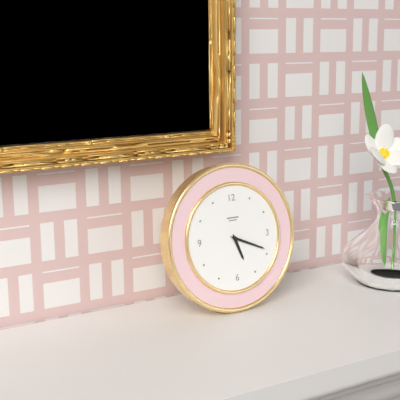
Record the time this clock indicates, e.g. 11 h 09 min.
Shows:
5 h 19 min
